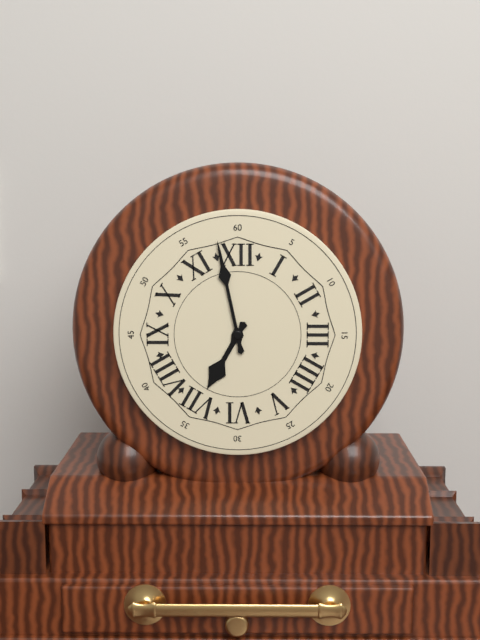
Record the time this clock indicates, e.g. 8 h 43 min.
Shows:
6 h 58 min
